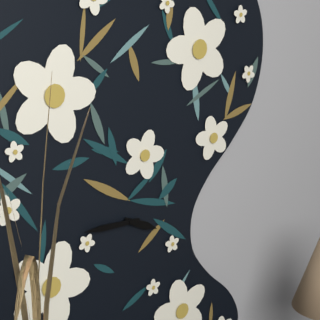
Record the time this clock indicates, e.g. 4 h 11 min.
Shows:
3 h 45 min
